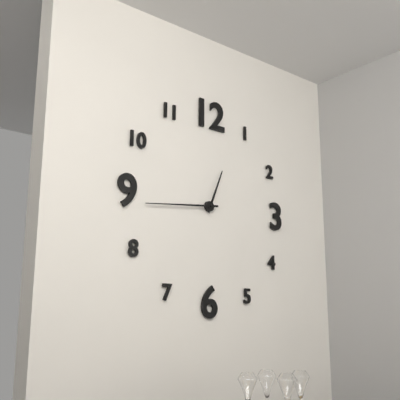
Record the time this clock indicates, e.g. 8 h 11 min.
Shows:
12 h 44 min
